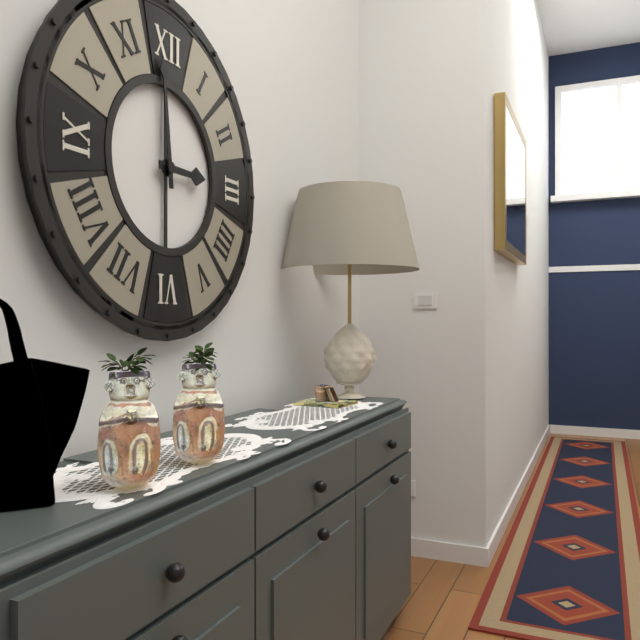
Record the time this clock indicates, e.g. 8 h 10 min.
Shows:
2 h 59 min
